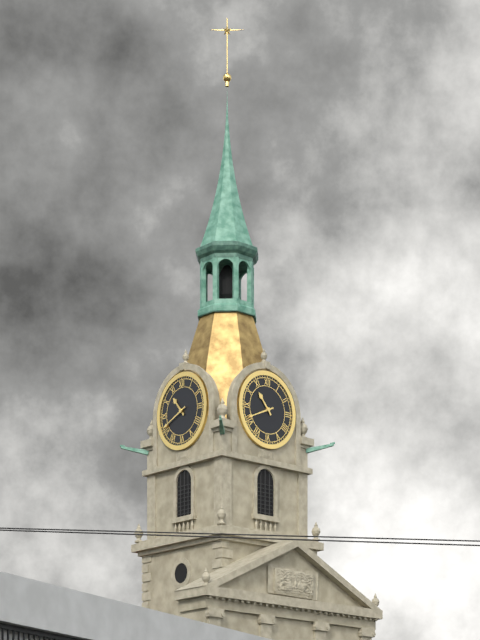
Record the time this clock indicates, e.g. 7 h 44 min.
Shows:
10 h 41 min
